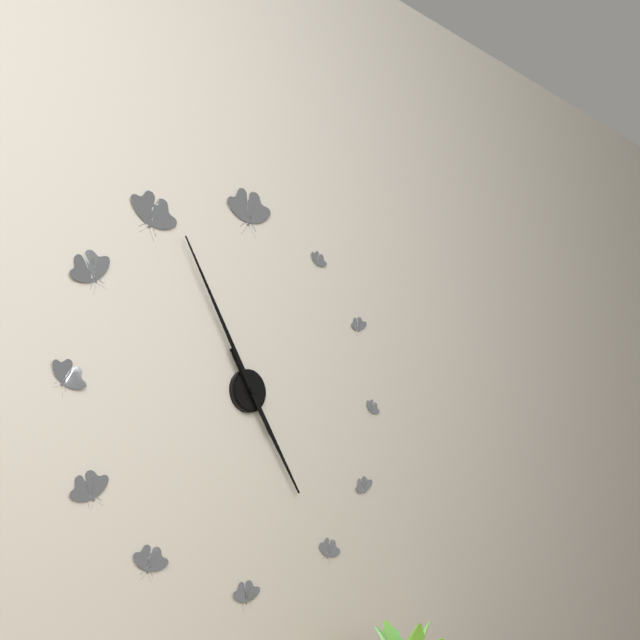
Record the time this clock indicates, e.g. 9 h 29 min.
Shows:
4 h 55 min
